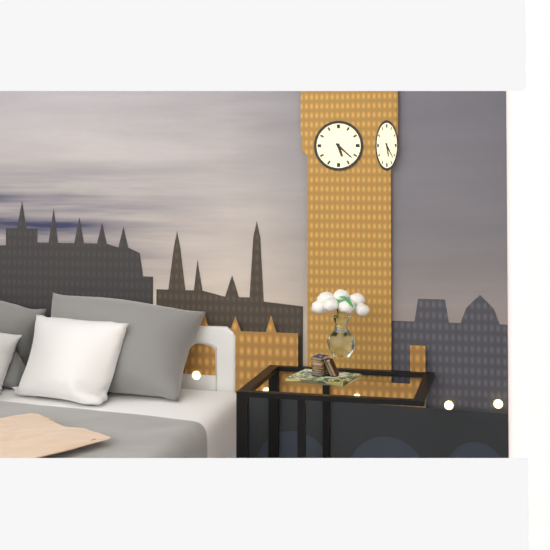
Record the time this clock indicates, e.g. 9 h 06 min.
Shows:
5 h 22 min
